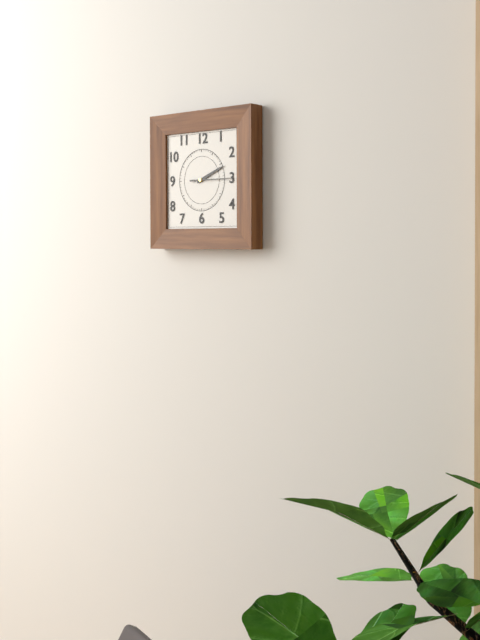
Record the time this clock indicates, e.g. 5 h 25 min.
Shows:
2 h 15 min
